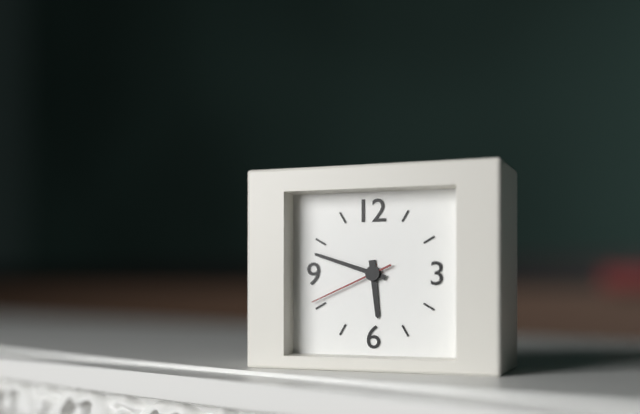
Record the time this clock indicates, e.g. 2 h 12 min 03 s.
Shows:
5 h 48 min 41 s
